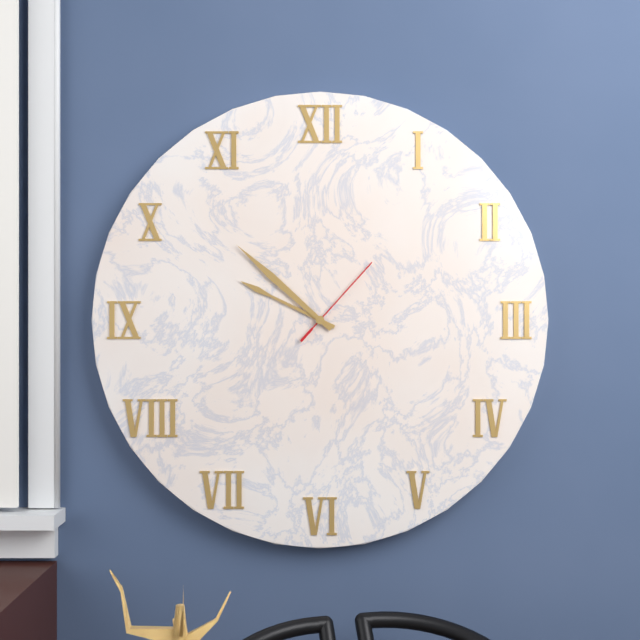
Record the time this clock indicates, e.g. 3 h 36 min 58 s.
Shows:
9 h 52 min 07 s
